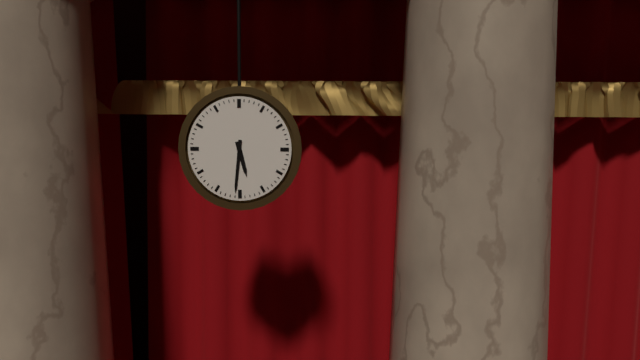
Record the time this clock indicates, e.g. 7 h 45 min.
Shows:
5 h 31 min
